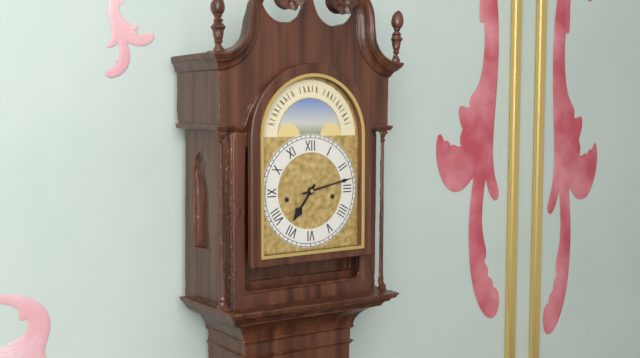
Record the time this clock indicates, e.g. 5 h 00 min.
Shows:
7 h 13 min
